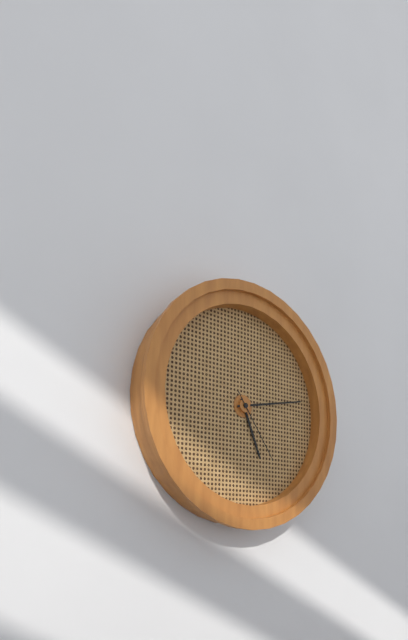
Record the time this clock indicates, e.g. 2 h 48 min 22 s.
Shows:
5 h 13 min 24 s
